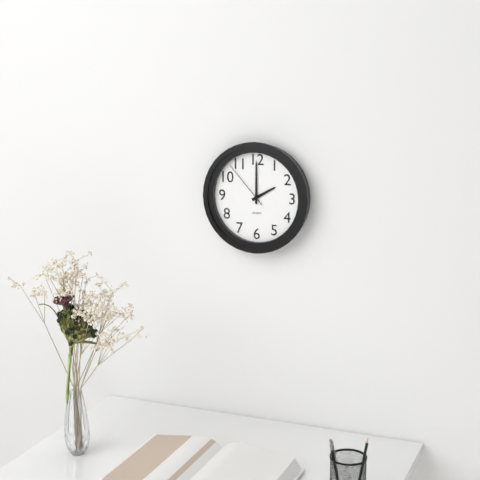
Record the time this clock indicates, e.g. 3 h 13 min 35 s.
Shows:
2 h 00 min 53 s
